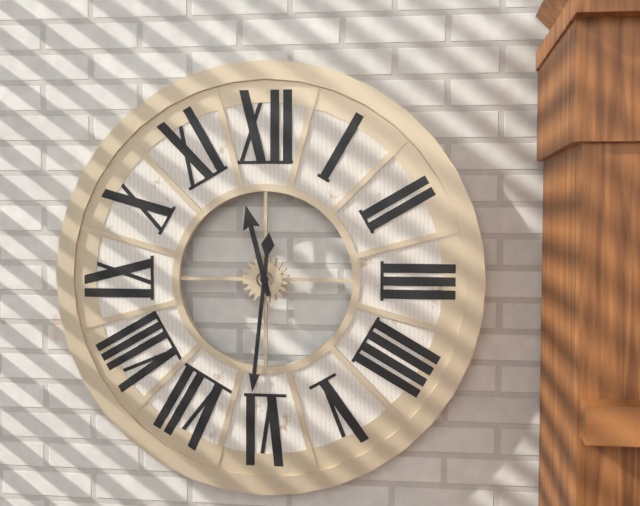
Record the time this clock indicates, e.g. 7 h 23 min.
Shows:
11 h 31 min
